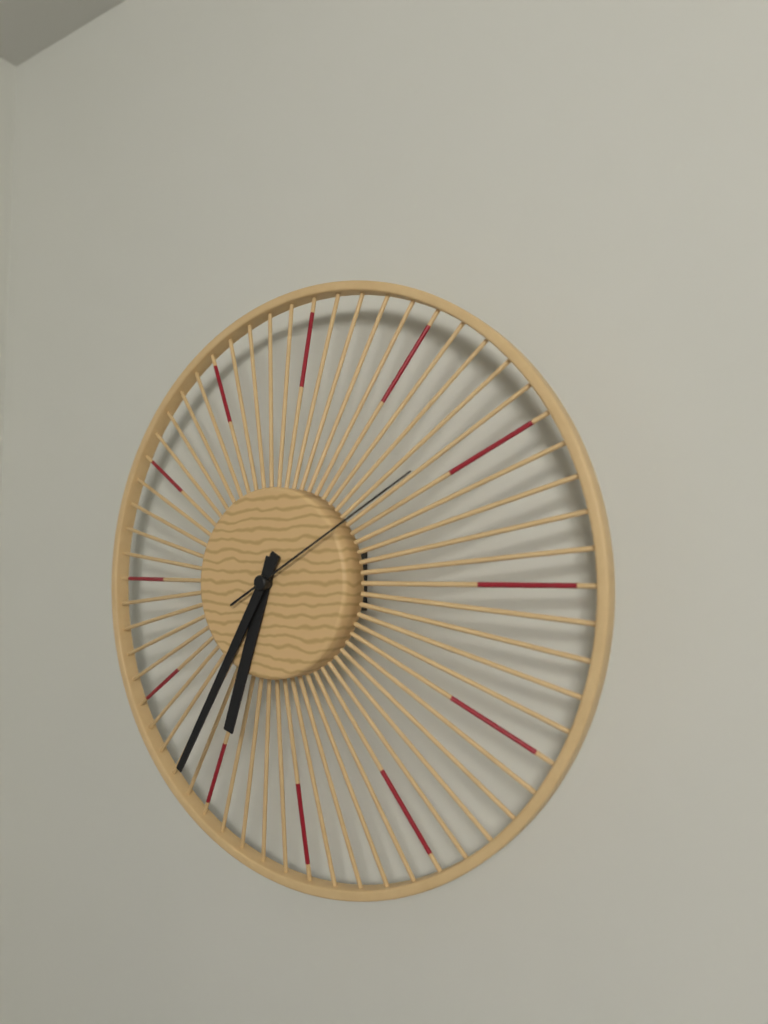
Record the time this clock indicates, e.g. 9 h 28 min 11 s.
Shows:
6 h 35 min 10 s
